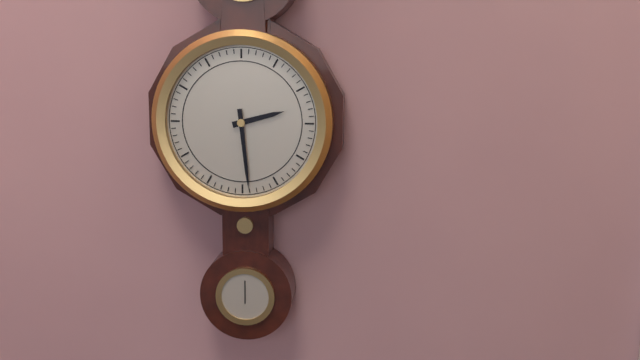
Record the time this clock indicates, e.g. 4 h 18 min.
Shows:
2 h 29 min
